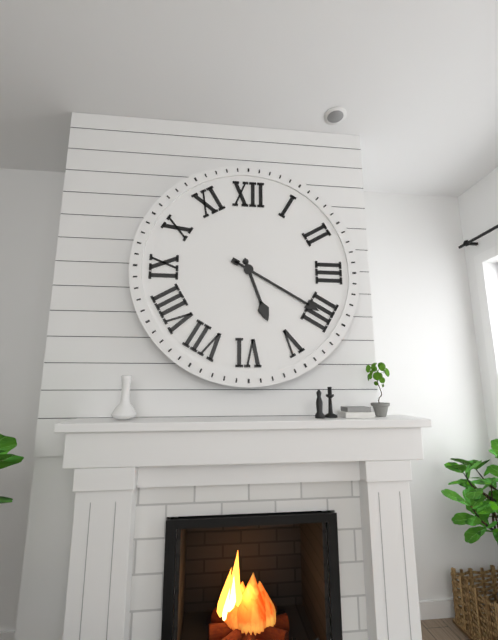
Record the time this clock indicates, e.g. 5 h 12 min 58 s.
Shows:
5 h 20 min 27 s
